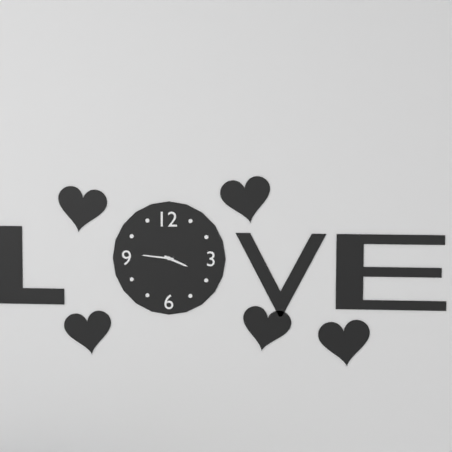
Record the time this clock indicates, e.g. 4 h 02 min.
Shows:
3 h 46 min
